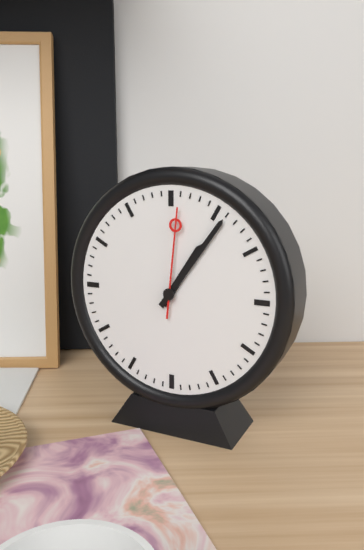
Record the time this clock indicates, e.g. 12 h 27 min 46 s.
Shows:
1 h 06 min 01 s
